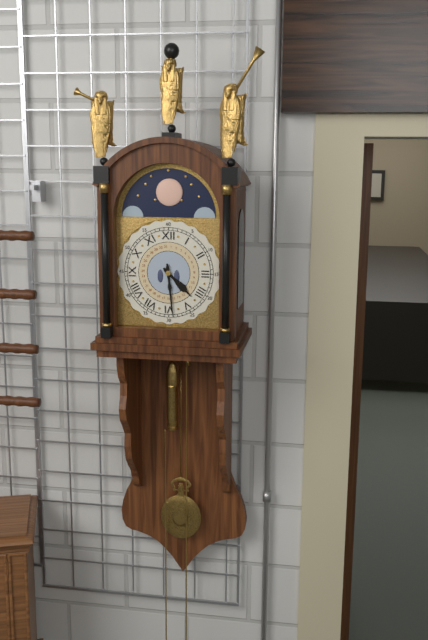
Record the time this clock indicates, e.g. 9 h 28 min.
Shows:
4 h 29 min
